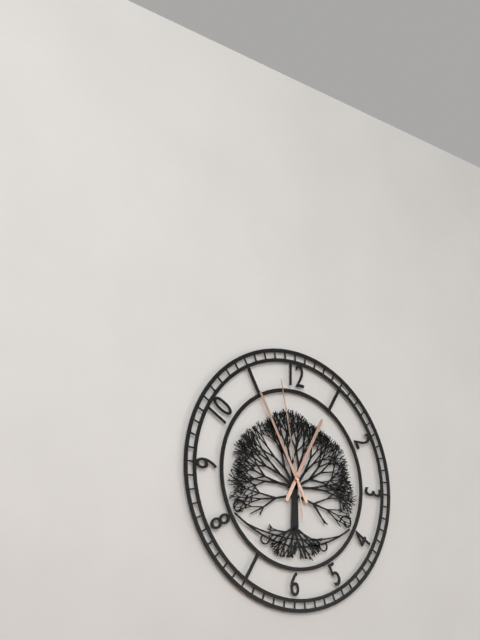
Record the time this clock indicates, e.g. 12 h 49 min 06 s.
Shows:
12 h 55 min 58 s
